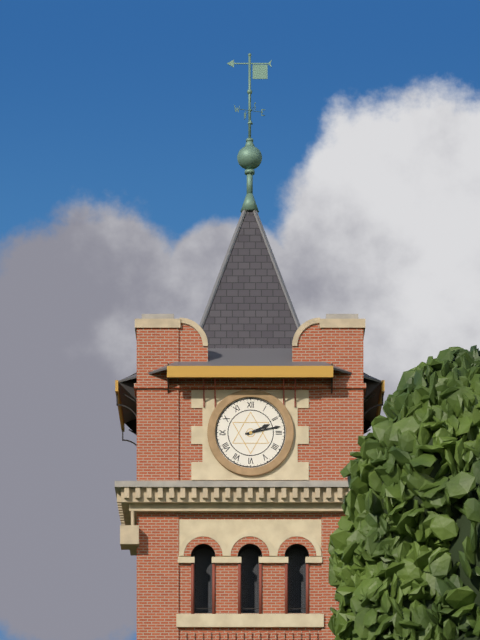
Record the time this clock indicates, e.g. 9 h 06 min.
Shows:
2 h 13 min
